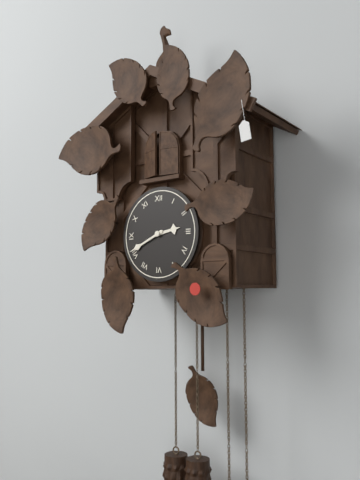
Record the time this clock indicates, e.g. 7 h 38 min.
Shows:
2 h 41 min
